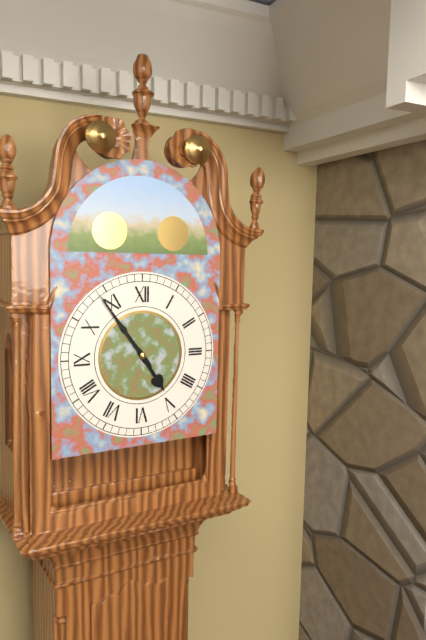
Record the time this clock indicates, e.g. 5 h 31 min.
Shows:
4 h 54 min
